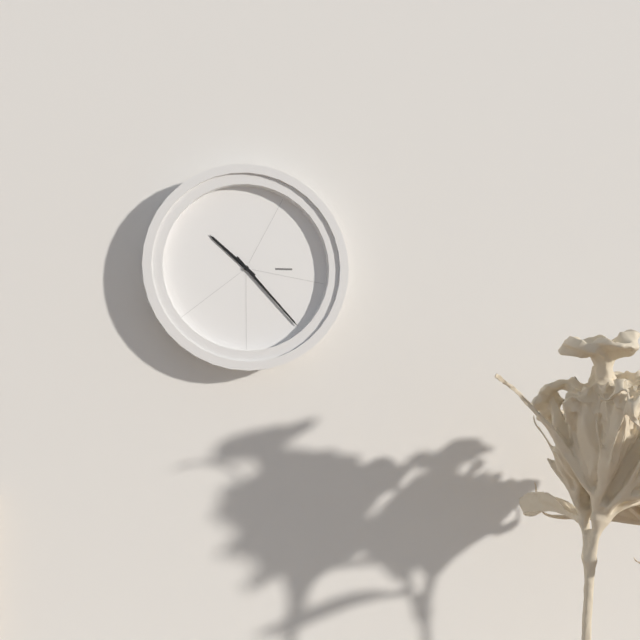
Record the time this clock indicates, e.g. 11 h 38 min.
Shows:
10 h 23 min
